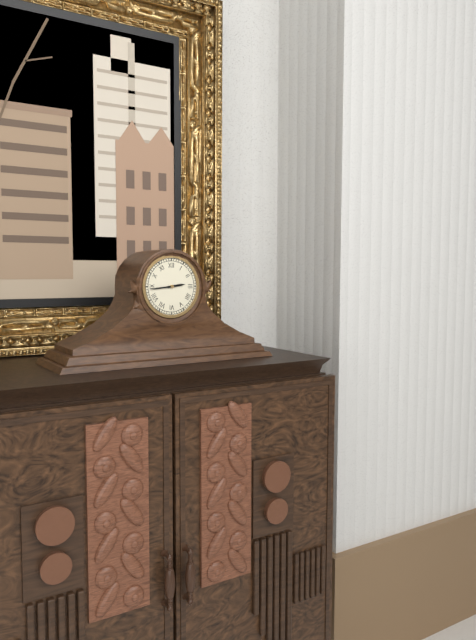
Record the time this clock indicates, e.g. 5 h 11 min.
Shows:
2 h 44 min
